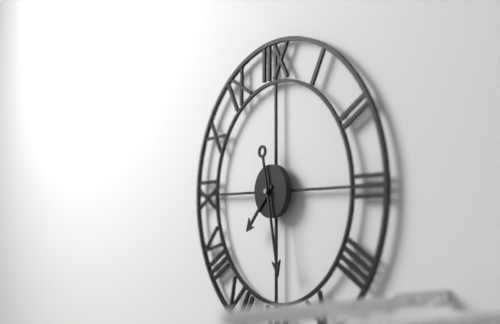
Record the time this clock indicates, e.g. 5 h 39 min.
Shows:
7 h 28 min
